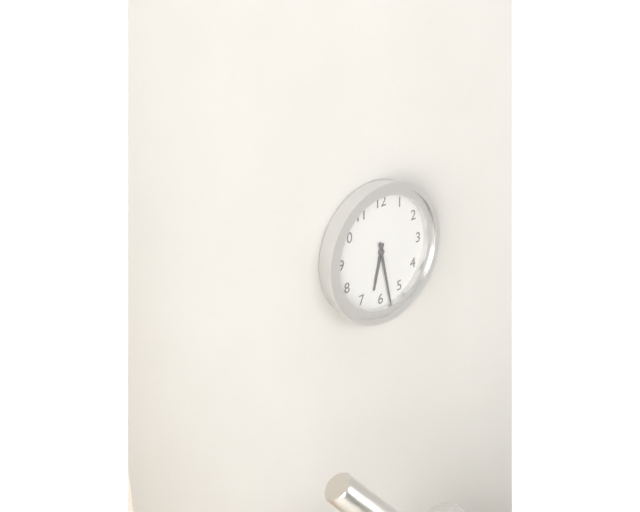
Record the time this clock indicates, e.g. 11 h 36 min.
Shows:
6 h 28 min
